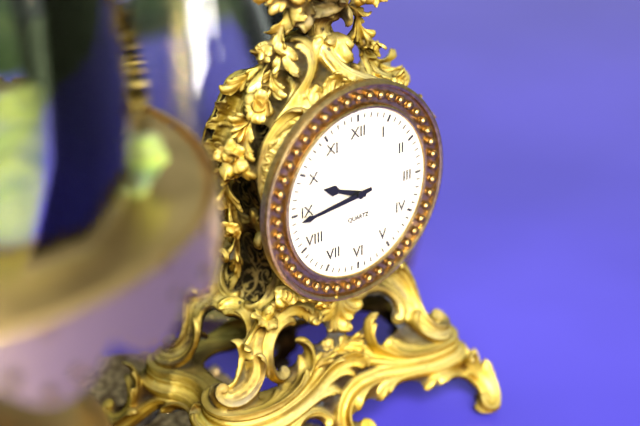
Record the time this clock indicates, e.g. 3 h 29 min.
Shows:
9 h 44 min
